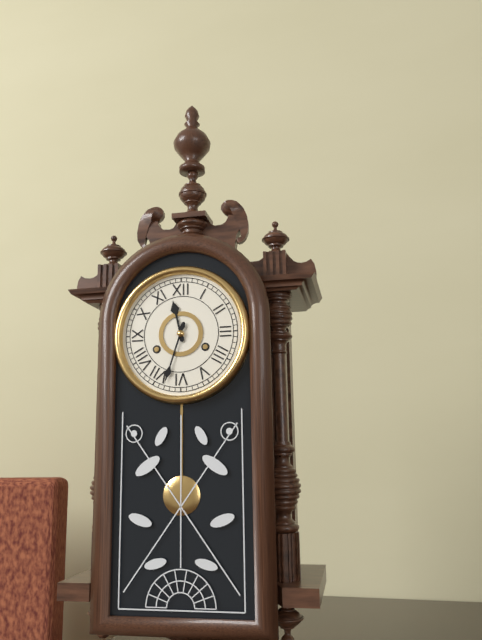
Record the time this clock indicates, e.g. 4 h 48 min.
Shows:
11 h 33 min
